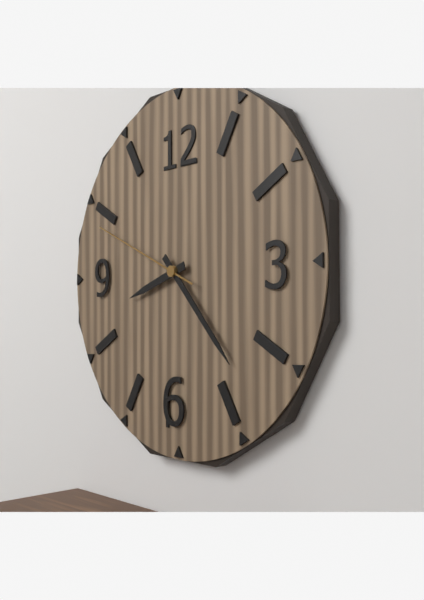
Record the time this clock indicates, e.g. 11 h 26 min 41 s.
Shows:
8 h 23 min 49 s
